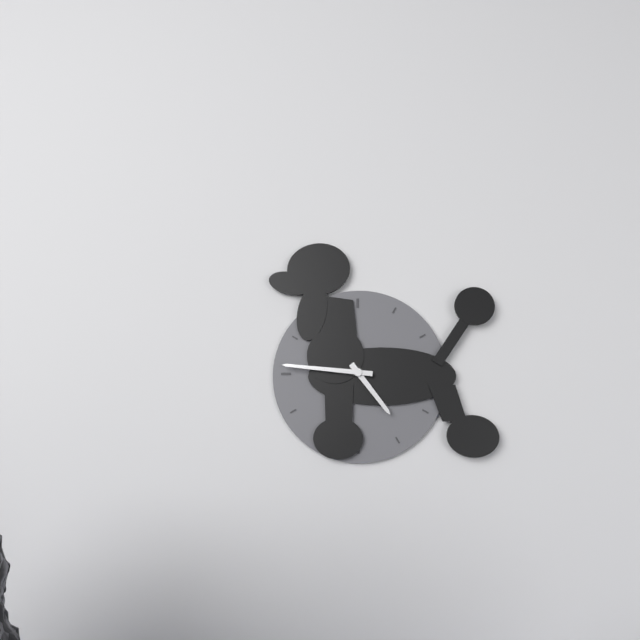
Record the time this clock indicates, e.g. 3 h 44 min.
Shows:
4 h 46 min
